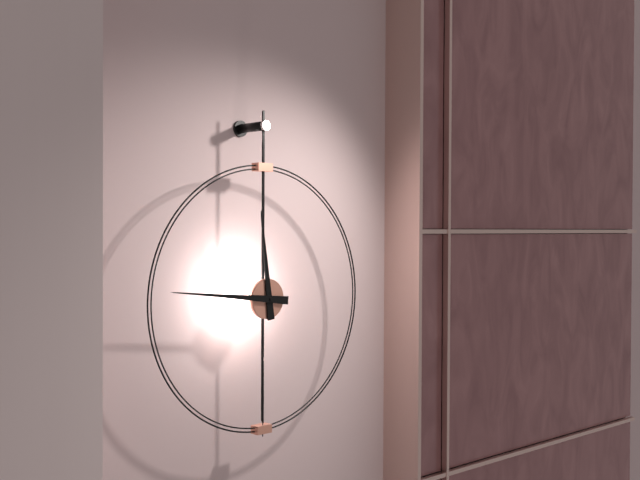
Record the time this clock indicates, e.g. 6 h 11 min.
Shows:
11 h 46 min
